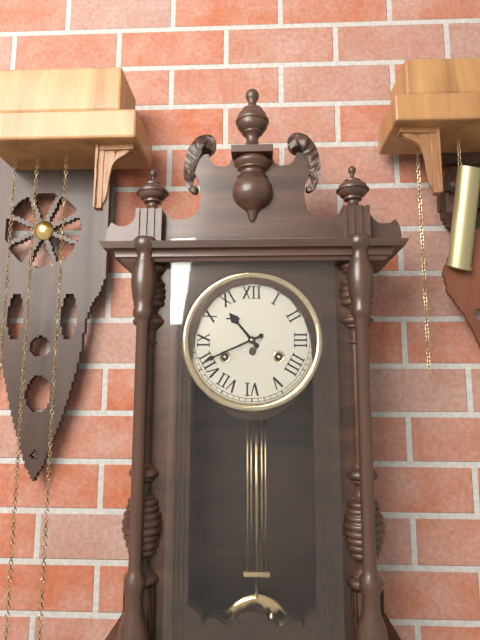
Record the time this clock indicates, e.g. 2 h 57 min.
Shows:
10 h 41 min
